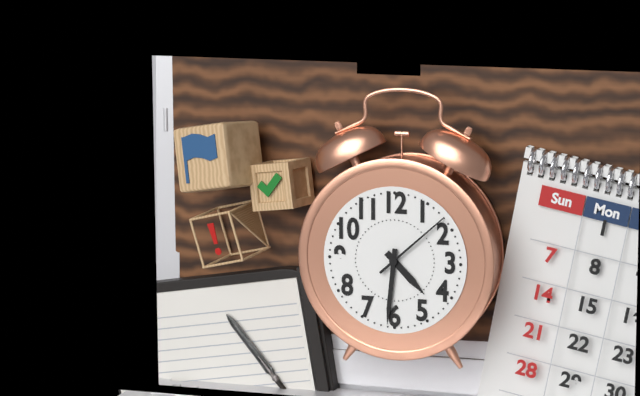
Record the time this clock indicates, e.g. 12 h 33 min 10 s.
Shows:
4 h 31 min 08 s
